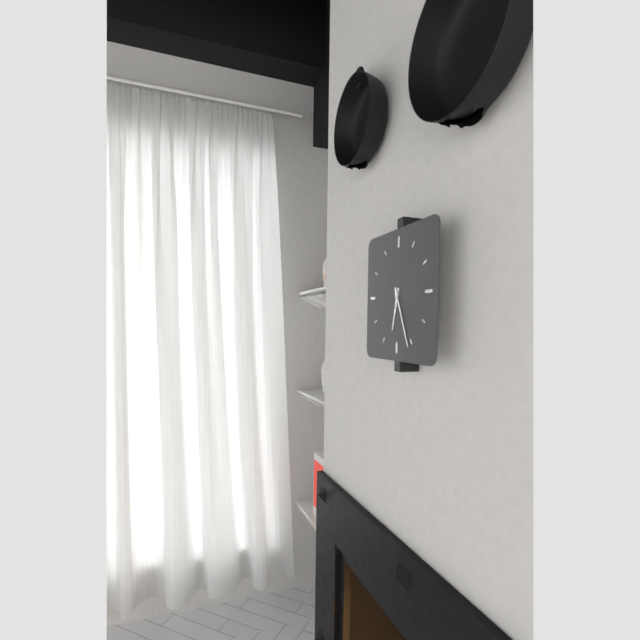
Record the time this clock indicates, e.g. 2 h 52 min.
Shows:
6 h 26 min
